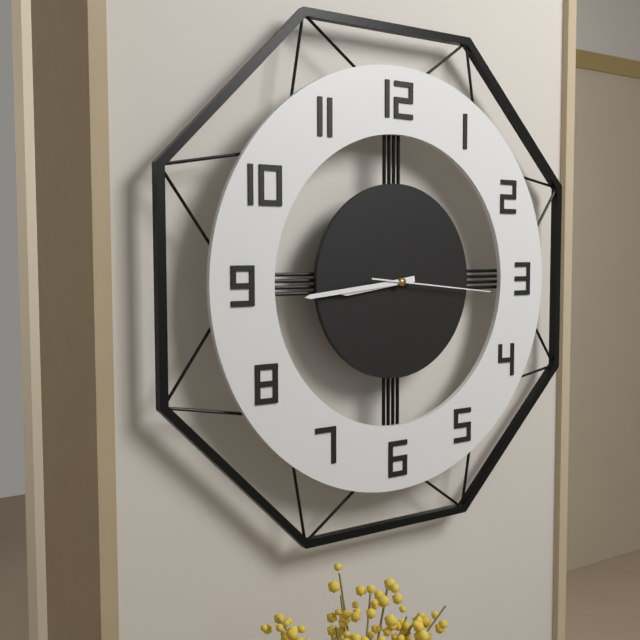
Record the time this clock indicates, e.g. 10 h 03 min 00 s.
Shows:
8 h 44 min 16 s
